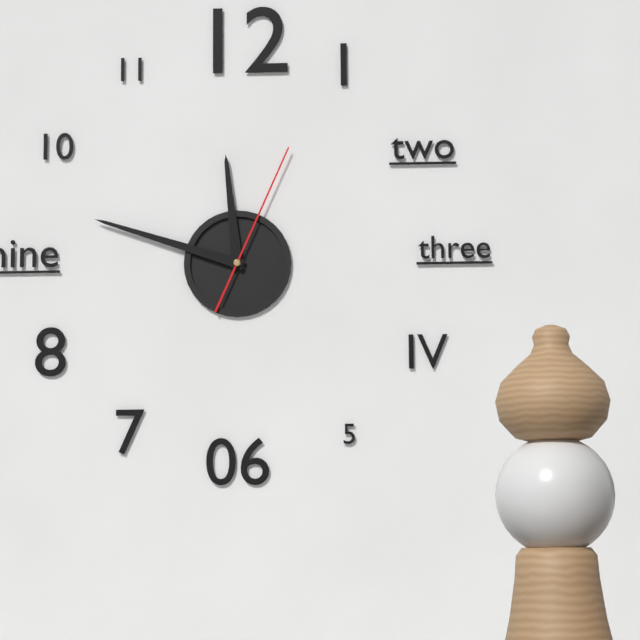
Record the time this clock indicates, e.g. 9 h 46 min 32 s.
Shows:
11 h 48 min 04 s
